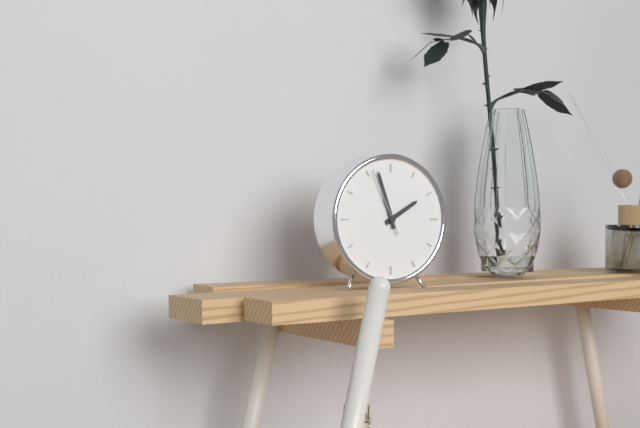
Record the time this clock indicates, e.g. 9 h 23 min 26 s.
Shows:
1 h 57 min 56 s
